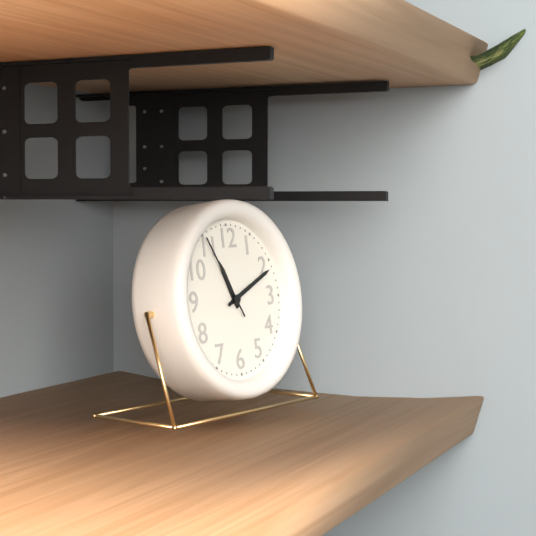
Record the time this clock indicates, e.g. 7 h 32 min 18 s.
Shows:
11 h 11 min 55 s
